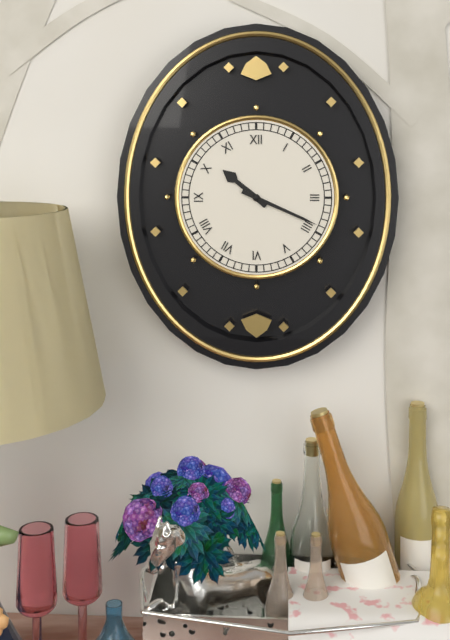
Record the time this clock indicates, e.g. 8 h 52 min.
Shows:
10 h 19 min
